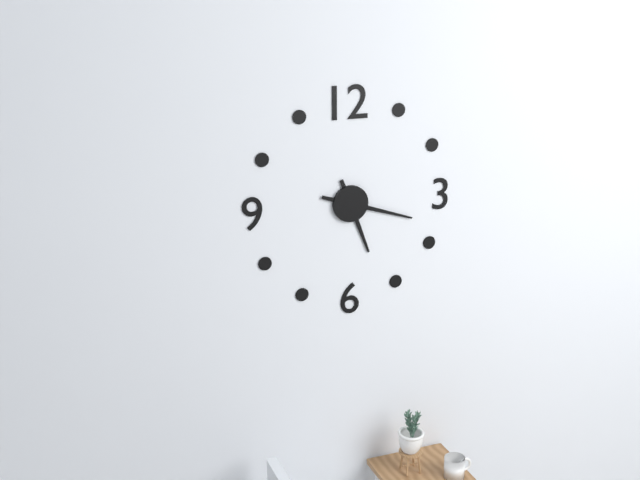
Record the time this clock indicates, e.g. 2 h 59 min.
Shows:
5 h 18 min
